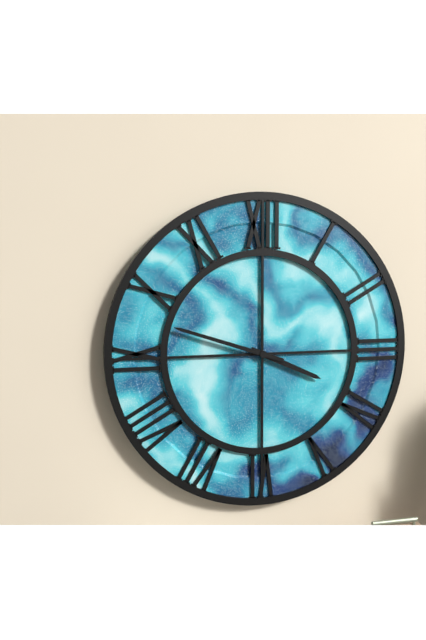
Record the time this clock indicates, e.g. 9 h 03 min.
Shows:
3 h 48 min
